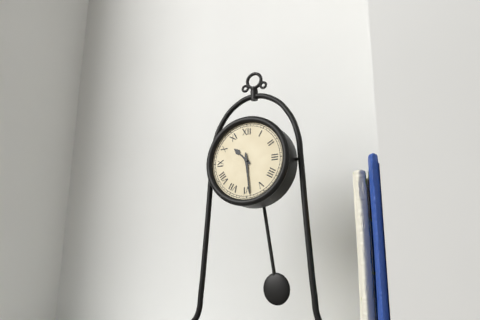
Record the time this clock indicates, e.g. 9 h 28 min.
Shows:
10 h 29 min
